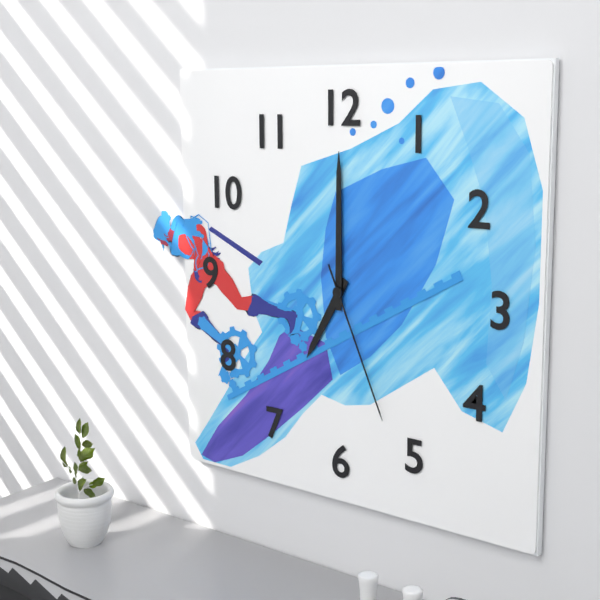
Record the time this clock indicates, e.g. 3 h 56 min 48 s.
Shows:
7 h 00 min 26 s
